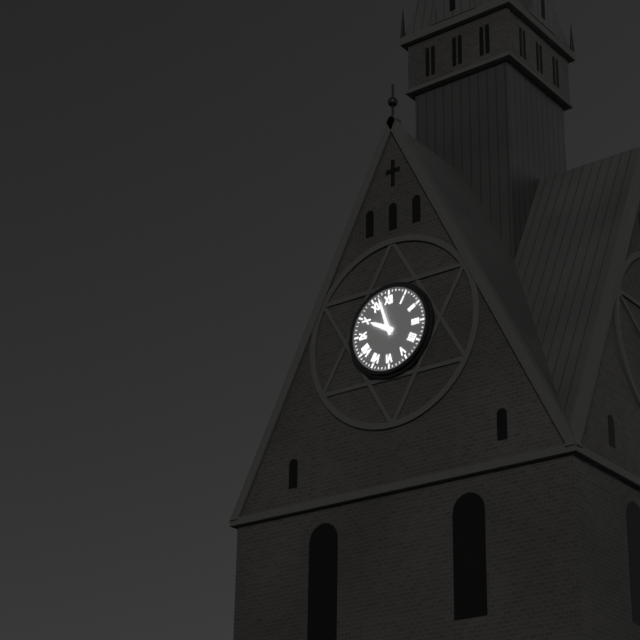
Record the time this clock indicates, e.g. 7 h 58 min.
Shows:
9 h 57 min
